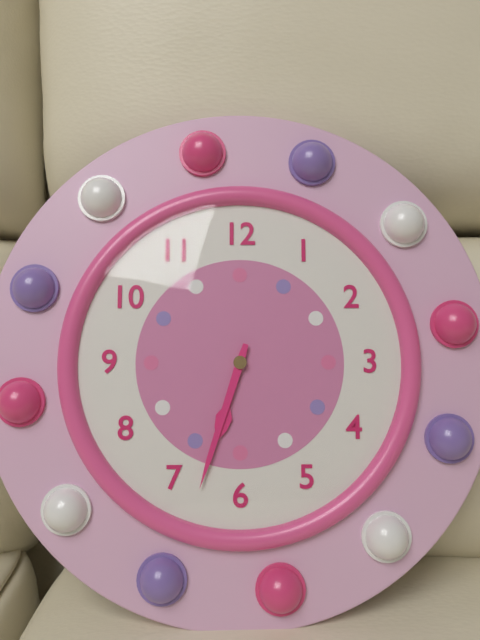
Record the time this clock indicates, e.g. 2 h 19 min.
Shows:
6 h 33 min
